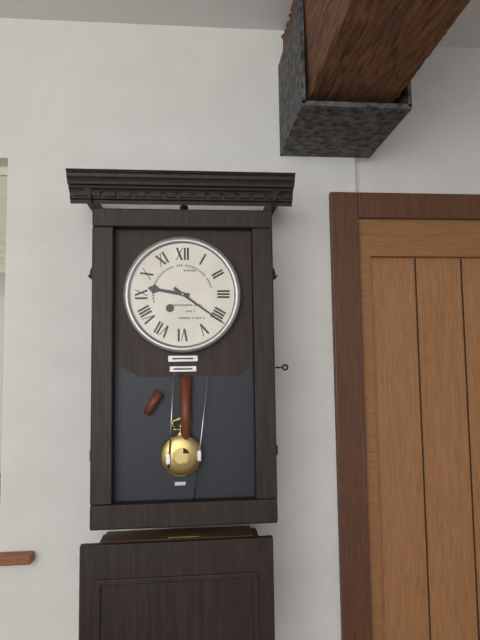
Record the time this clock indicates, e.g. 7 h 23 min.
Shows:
9 h 21 min
